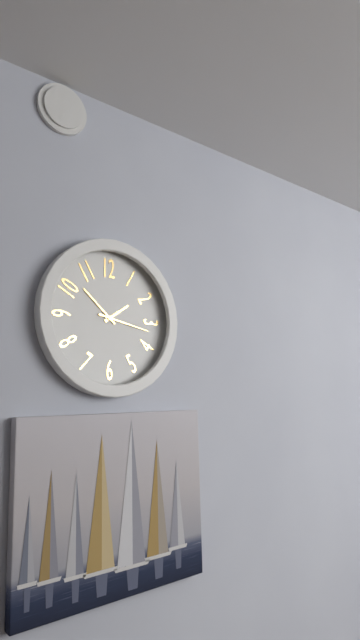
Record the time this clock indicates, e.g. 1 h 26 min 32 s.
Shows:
1 h 52 min 17 s
